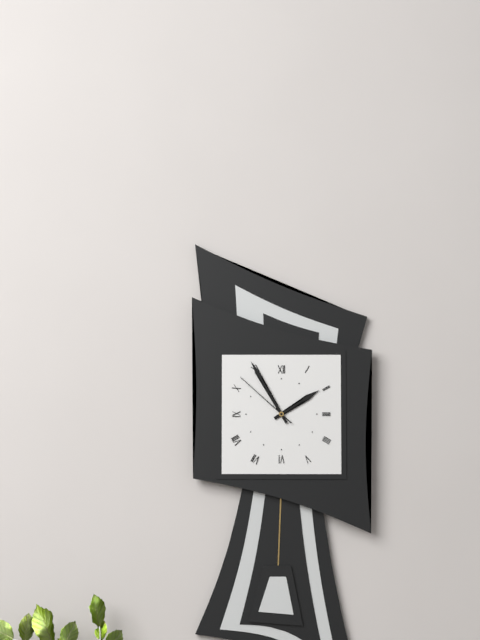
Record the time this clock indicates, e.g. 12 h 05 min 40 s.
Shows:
1 h 55 min 52 s
